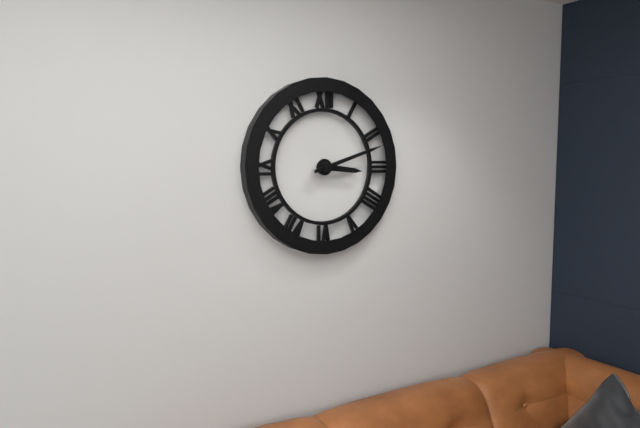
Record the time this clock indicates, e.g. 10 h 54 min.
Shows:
3 h 12 min
